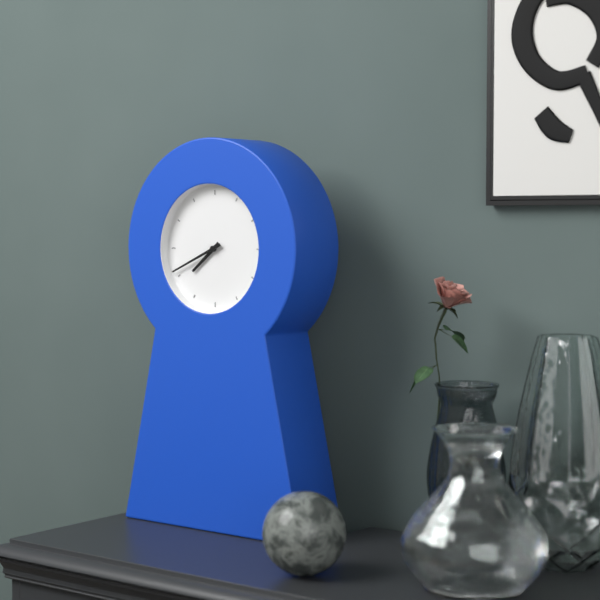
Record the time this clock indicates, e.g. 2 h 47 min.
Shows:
7 h 41 min
